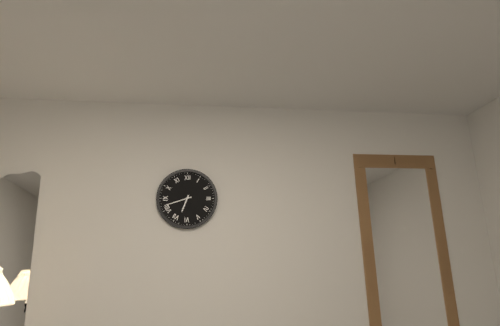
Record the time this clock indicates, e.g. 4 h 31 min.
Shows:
6 h 42 min
